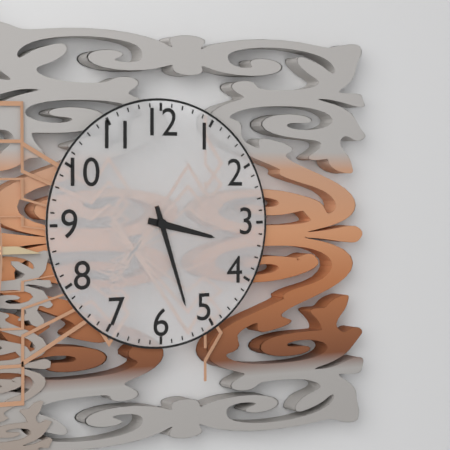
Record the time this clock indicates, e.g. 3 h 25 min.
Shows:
3 h 27 min
